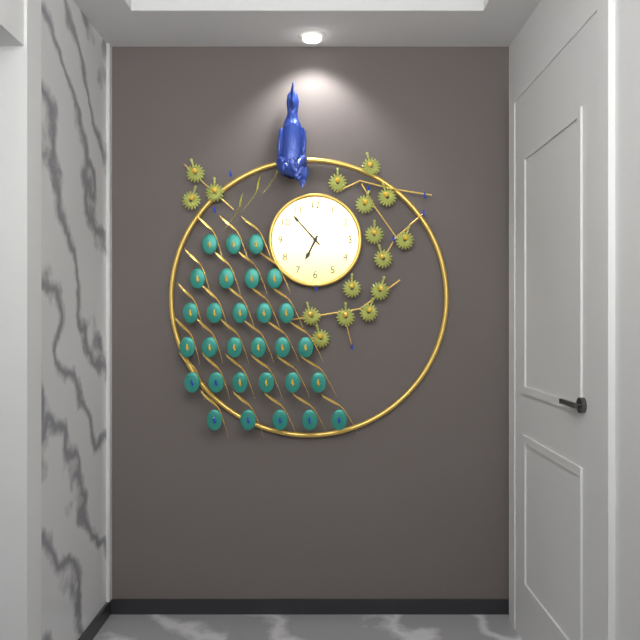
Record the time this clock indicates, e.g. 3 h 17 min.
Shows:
6 h 53 min
